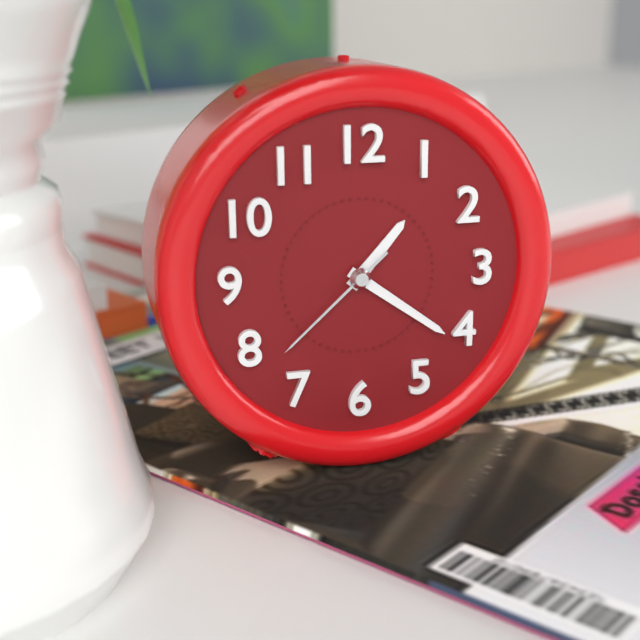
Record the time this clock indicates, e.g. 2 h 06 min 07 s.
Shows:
1 h 21 min 38 s
